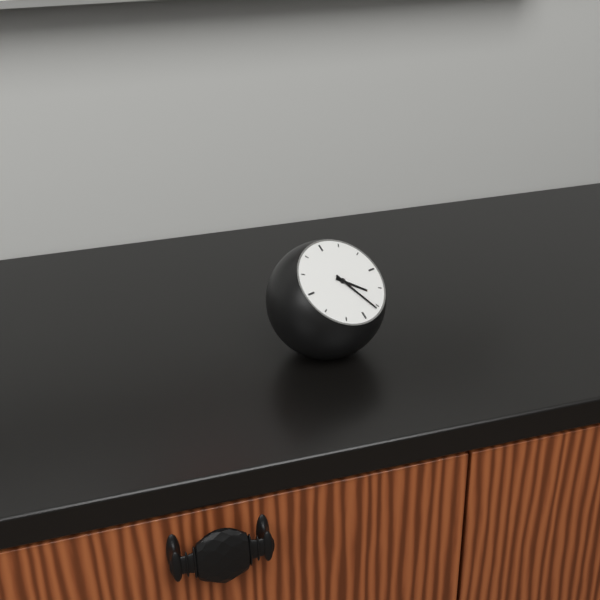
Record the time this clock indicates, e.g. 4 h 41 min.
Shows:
4 h 26 min
